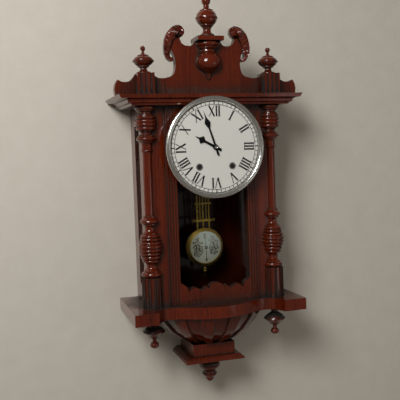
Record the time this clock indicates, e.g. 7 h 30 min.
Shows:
9 h 57 min
